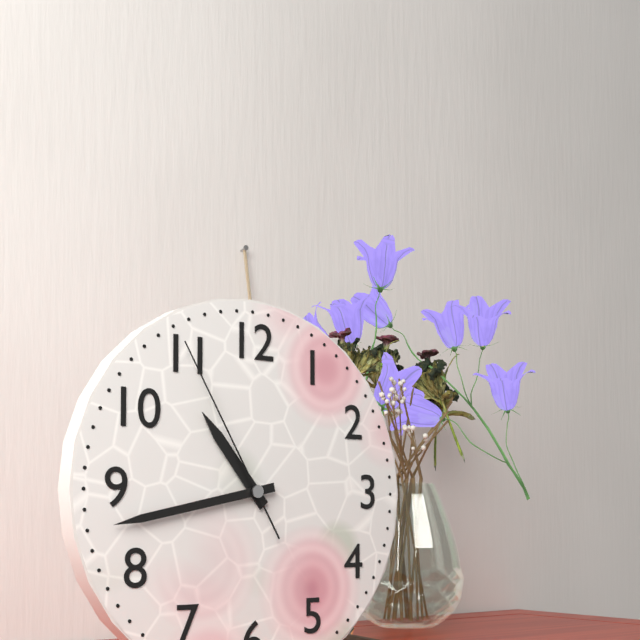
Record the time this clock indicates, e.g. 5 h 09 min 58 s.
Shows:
10 h 43 min 55 s
